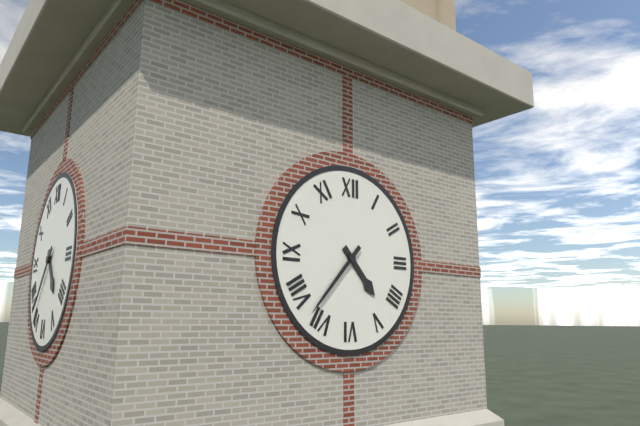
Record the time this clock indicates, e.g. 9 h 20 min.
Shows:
4 h 37 min
